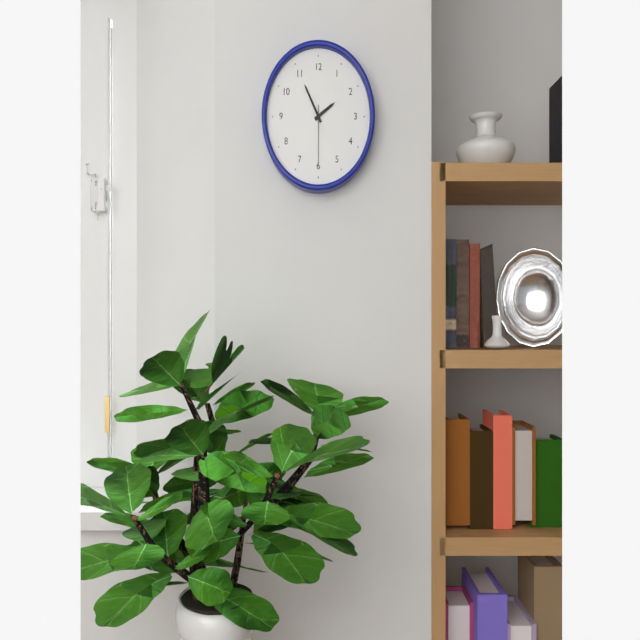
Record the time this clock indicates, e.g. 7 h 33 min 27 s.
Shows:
1 h 55 min 30 s
